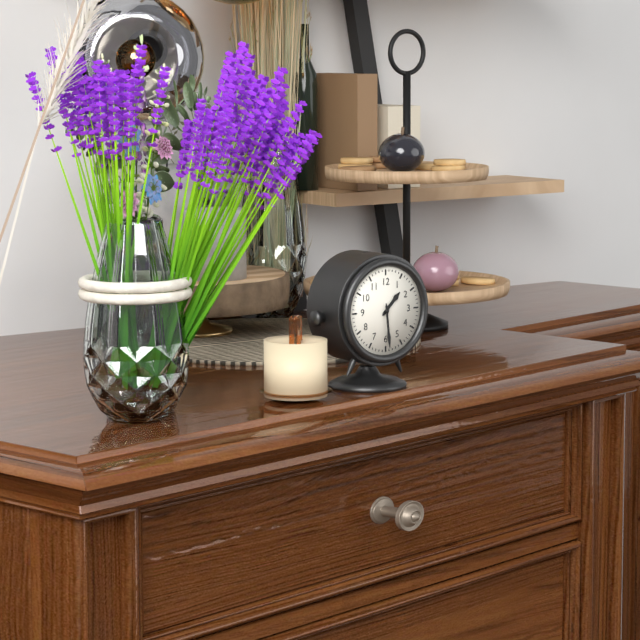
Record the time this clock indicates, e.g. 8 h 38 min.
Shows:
1 h 29 min
